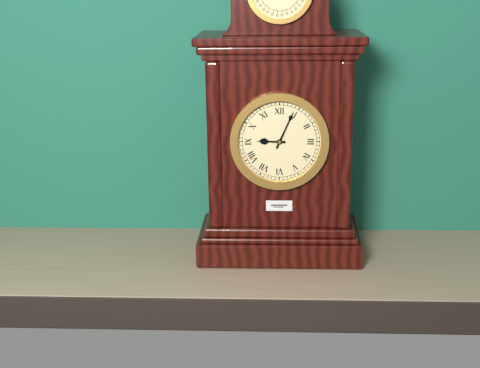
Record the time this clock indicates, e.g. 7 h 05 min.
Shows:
9 h 04 min
